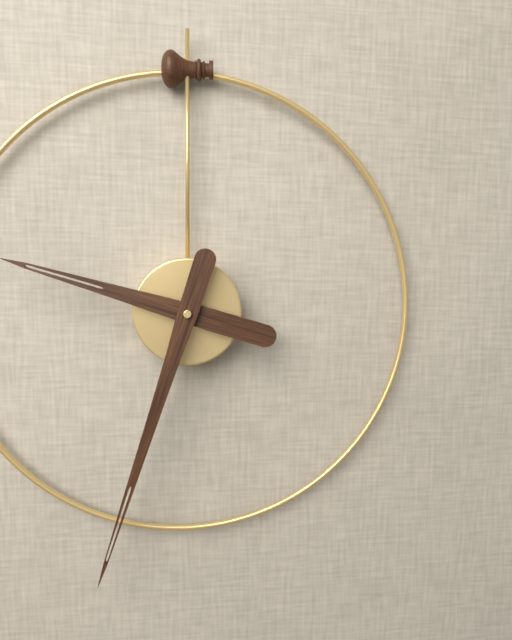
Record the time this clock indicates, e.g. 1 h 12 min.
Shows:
9 h 33 min
